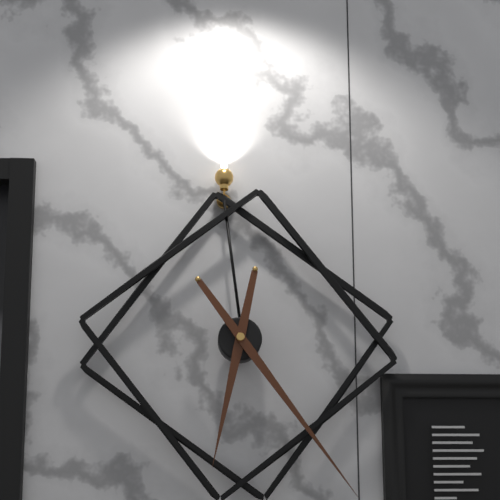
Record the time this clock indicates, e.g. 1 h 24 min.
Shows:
6 h 24 min
